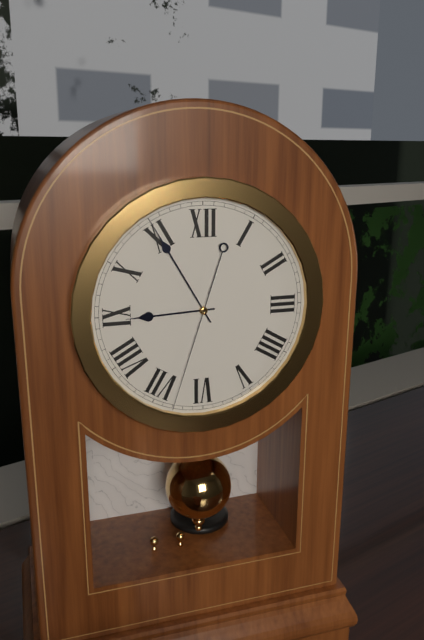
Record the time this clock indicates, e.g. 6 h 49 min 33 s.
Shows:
8 h 55 min 33 s
